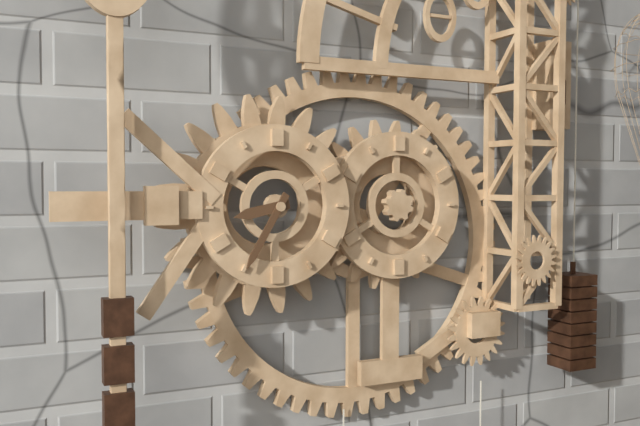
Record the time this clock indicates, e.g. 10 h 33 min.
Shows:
8 h 35 min
